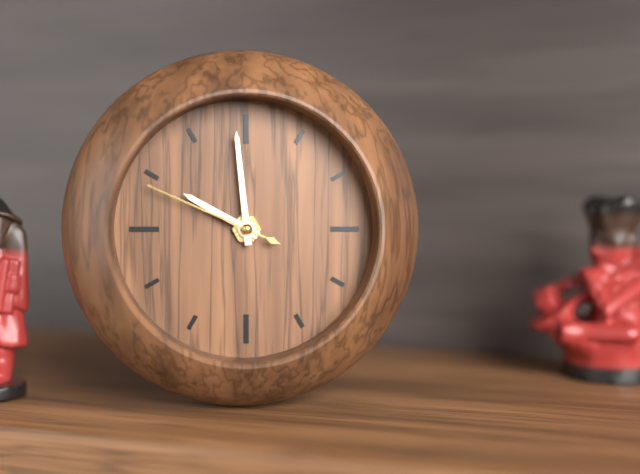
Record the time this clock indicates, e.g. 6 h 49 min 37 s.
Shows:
9 h 59 min 49 s
